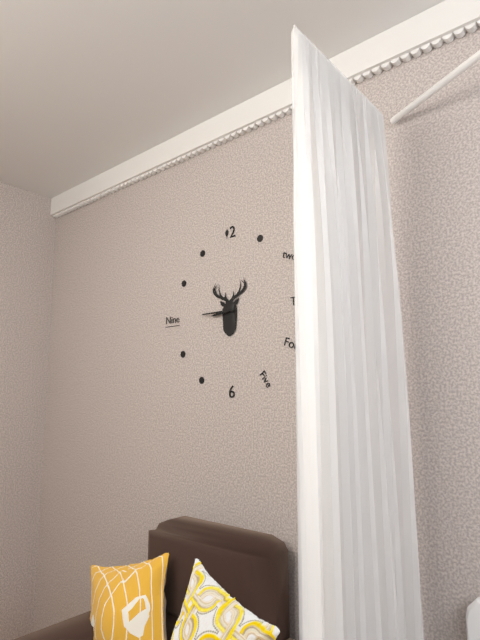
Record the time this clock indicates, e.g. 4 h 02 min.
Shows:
8 h 45 min
